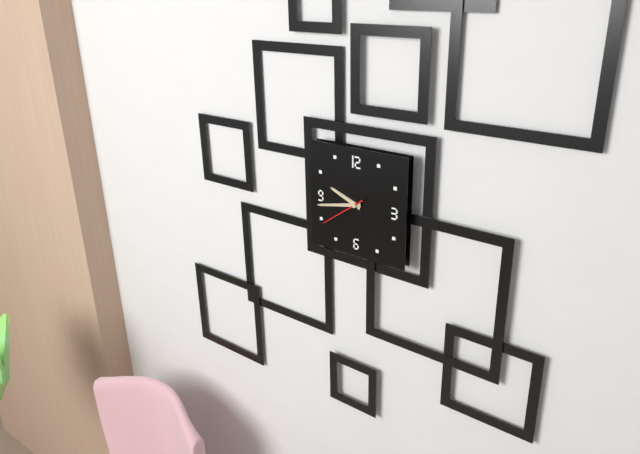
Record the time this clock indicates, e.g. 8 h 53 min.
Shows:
9 h 43 min
